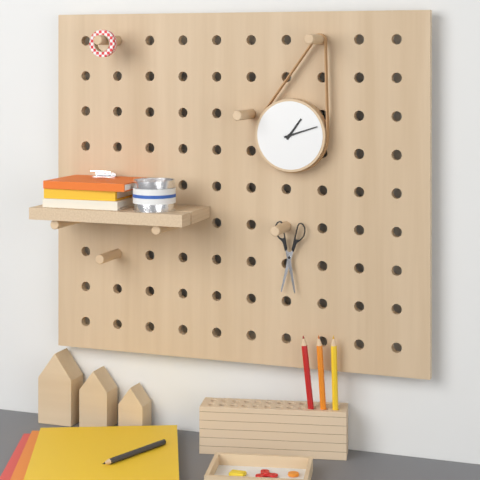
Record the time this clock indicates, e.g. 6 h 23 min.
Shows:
1 h 12 min
